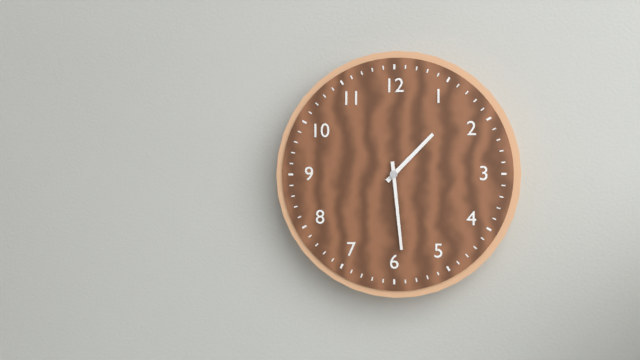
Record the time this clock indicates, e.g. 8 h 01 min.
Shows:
1 h 29 min
